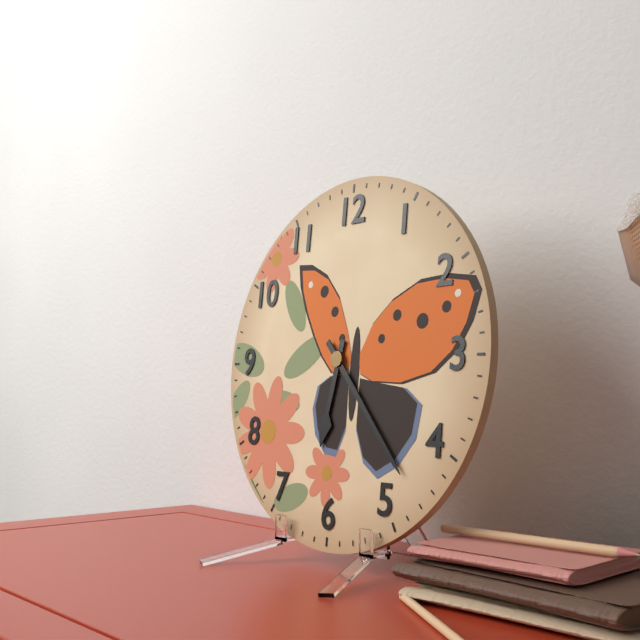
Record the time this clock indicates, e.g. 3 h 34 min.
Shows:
6 h 23 min
